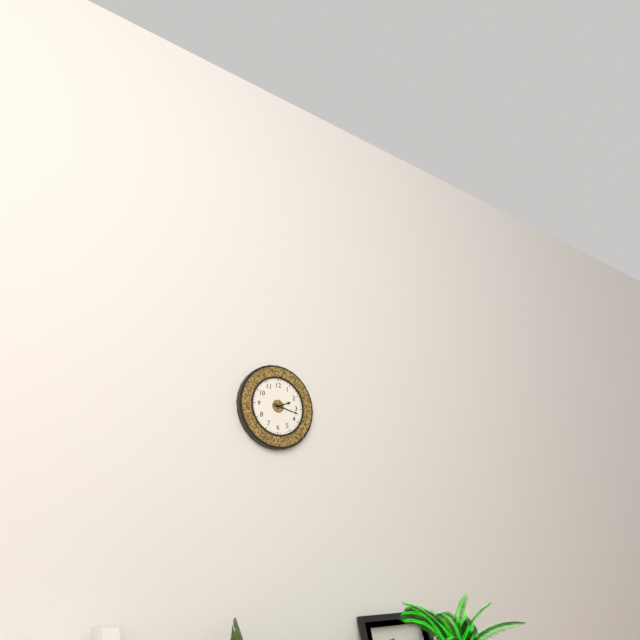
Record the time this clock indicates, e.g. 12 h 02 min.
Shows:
2 h 17 min
